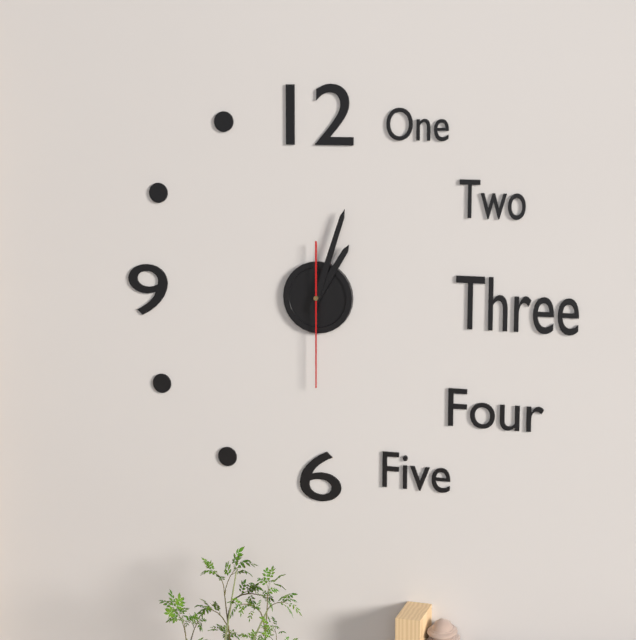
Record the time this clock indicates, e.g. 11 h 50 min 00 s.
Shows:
1 h 03 min 30 s
